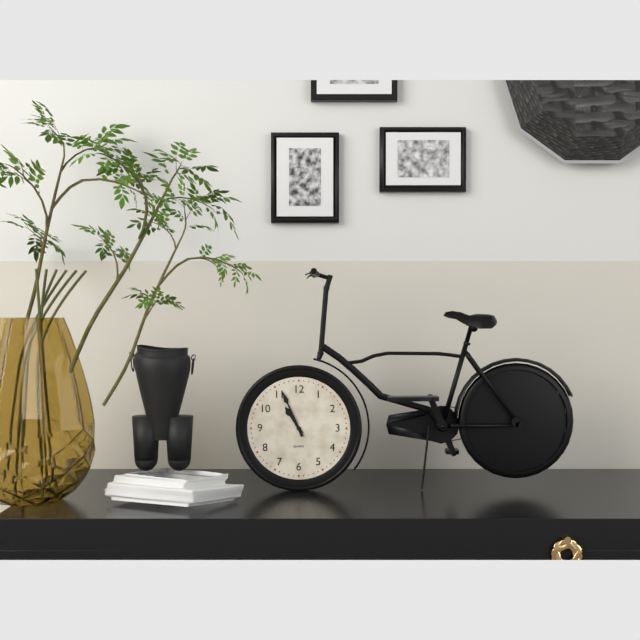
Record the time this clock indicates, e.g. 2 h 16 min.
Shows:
10 h 56 min
